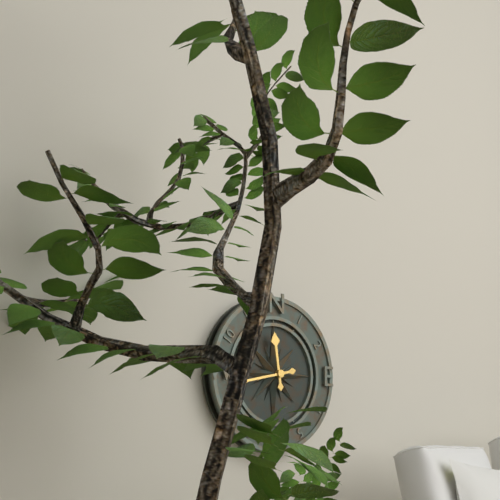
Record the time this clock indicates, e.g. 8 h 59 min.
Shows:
11 h 43 min
